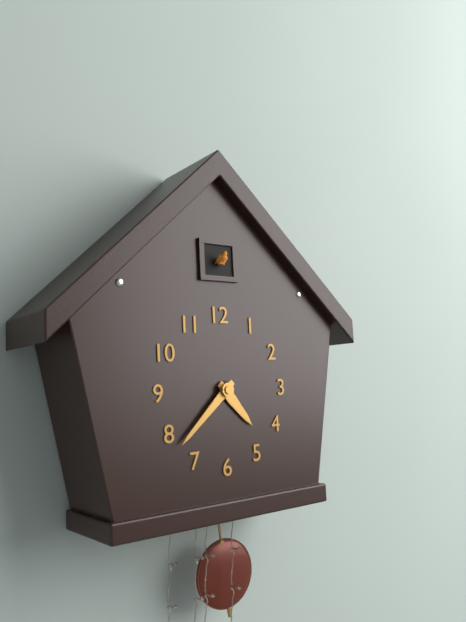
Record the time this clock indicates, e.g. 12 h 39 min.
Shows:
4 h 38 min
